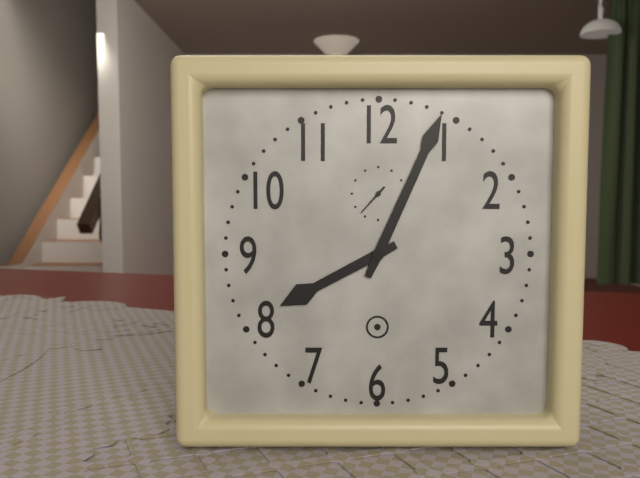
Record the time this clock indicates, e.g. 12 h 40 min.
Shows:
8 h 04 min
